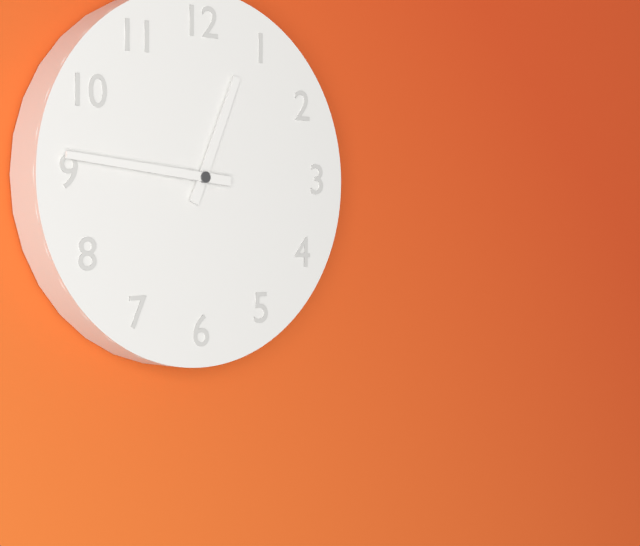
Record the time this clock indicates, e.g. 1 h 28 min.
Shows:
12 h 46 min
